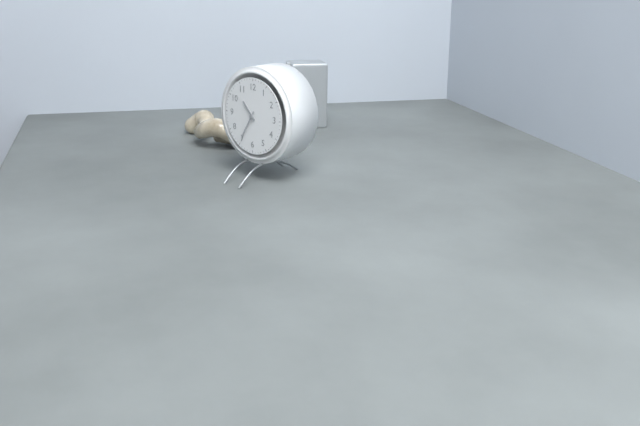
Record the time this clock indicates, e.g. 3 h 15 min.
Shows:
10 h 35 min
